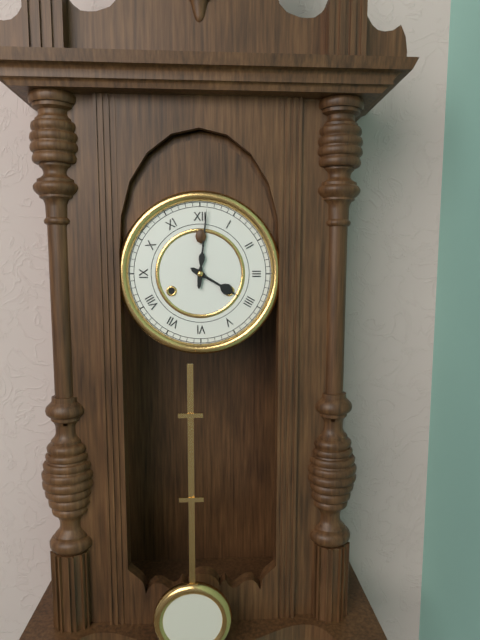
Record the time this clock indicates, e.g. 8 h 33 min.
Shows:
4 h 01 min
